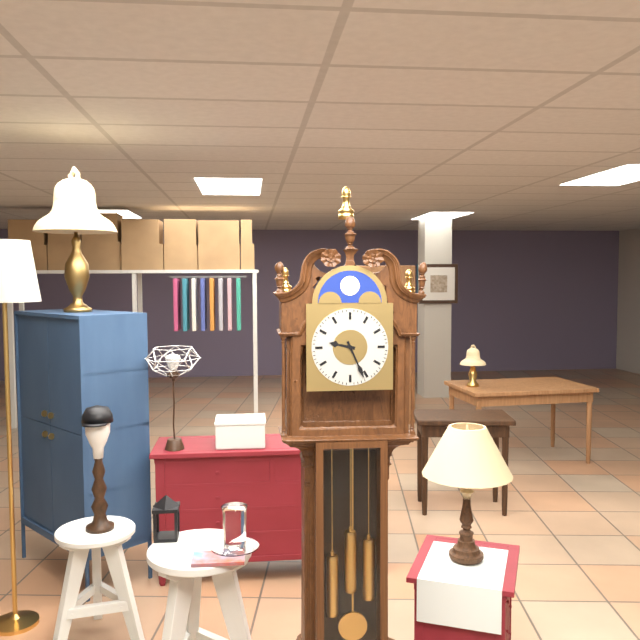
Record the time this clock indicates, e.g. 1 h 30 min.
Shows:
9 h 26 min
